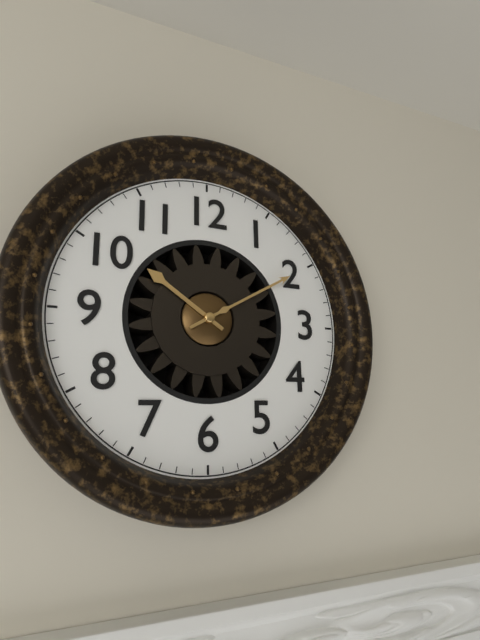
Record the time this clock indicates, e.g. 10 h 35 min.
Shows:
10 h 10 min
